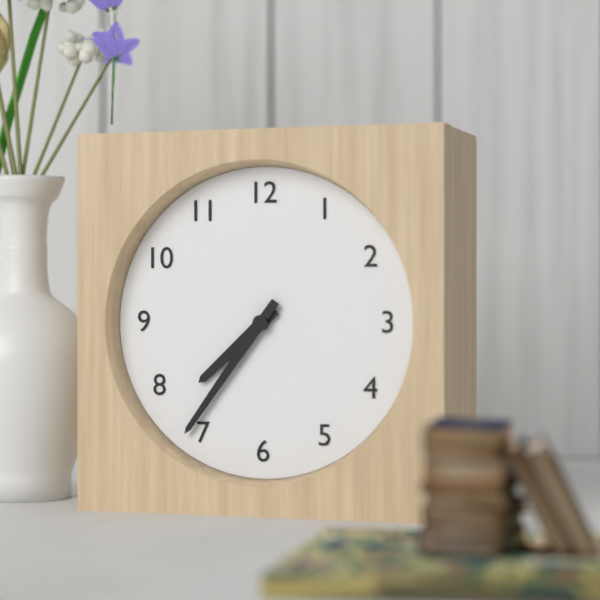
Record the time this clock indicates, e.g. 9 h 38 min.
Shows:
7 h 36 min
